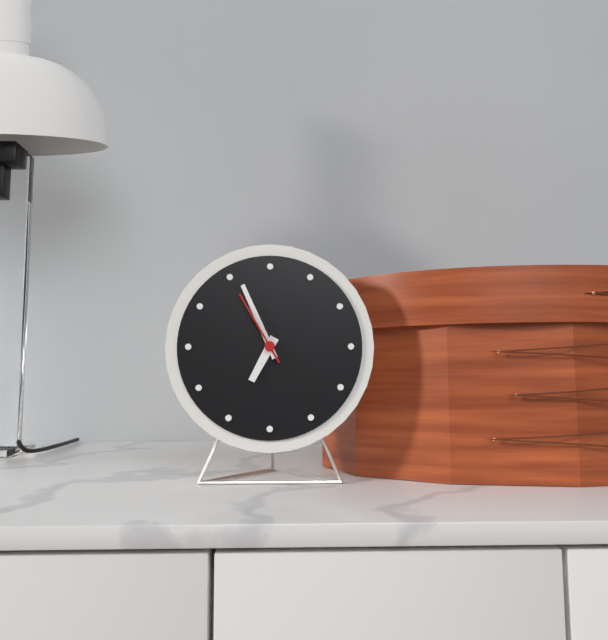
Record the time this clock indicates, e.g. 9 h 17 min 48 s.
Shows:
6 h 56 min 55 s
